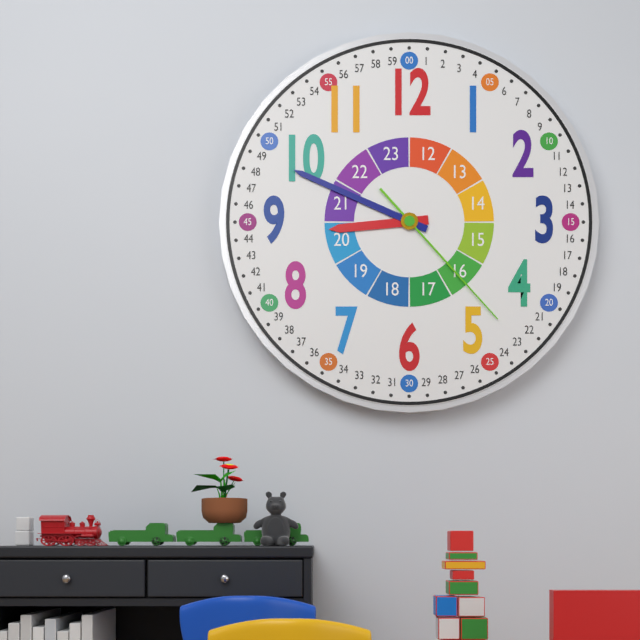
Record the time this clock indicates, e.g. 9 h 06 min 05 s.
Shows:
8 h 49 min 23 s
